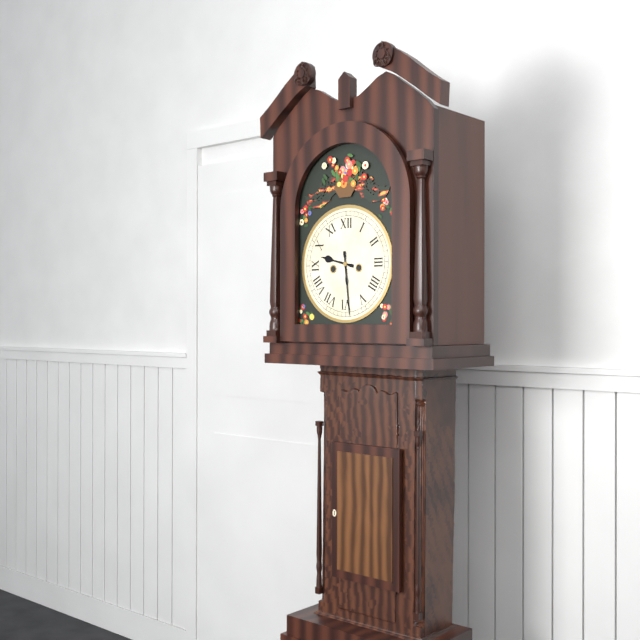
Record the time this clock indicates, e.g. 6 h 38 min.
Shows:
9 h 29 min
